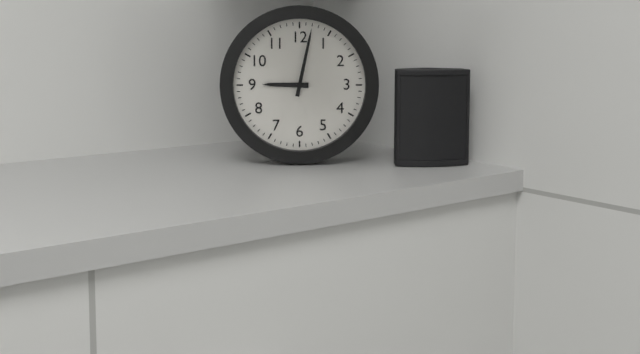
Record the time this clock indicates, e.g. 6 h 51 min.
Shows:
9 h 02 min
